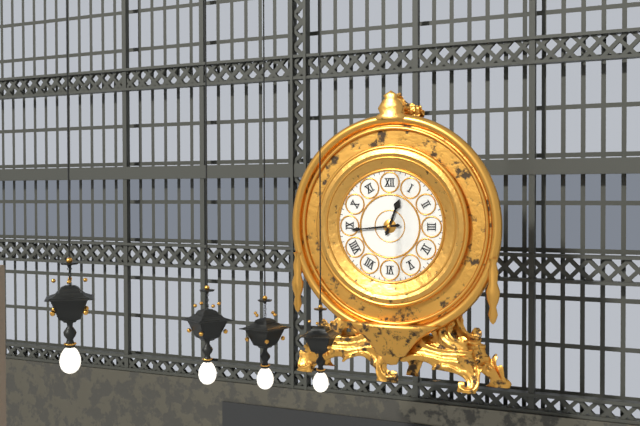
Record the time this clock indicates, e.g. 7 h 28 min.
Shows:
12 h 44 min
